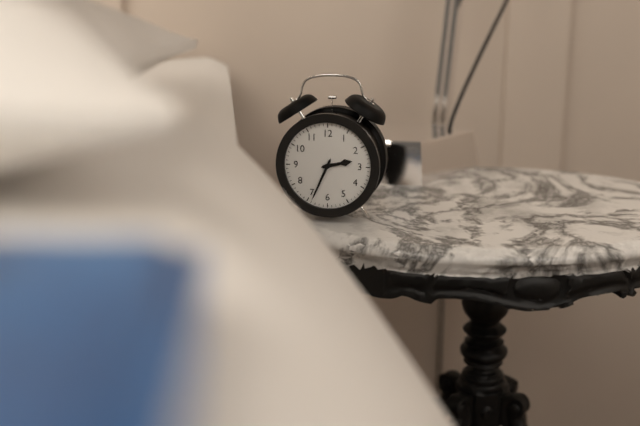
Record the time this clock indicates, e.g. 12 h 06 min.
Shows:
2 h 34 min
